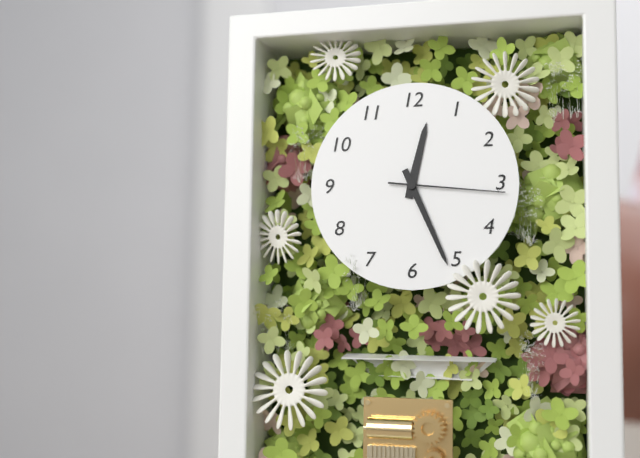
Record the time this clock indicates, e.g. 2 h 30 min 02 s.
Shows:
12 h 26 min 16 s
